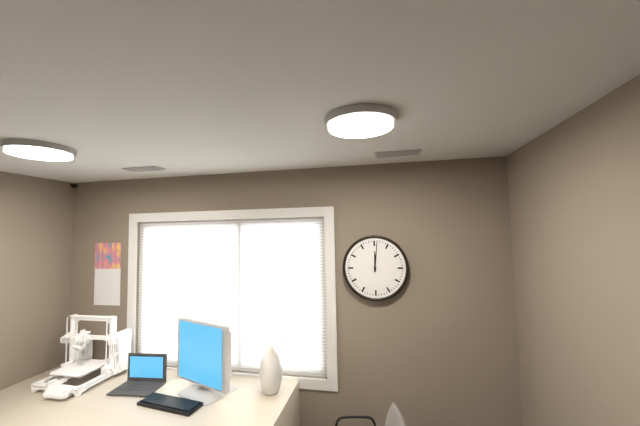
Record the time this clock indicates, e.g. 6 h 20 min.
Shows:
12 h 01 min
